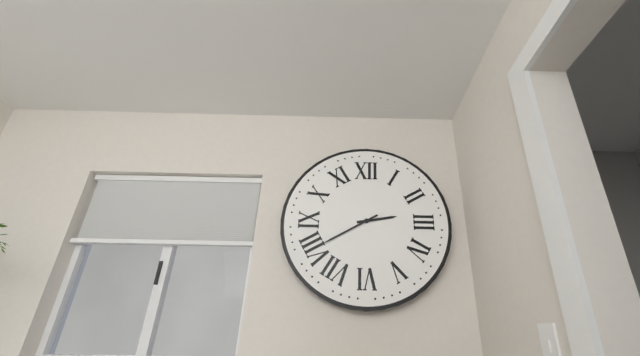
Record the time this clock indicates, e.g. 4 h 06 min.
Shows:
2 h 40 min
